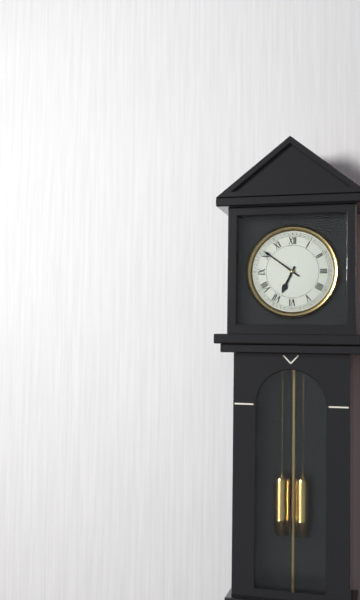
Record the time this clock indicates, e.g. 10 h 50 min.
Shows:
6 h 51 min
